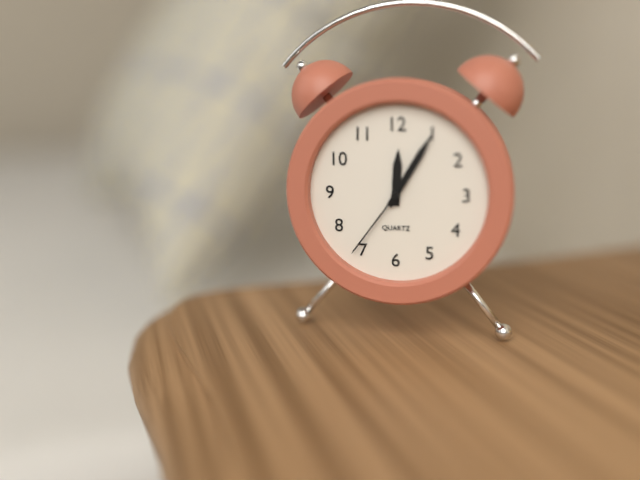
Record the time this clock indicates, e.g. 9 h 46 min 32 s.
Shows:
12 h 05 min 36 s
